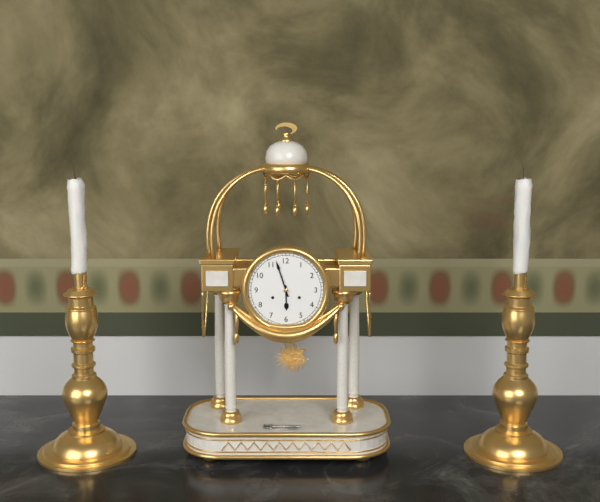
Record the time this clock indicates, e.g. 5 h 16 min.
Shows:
5 h 57 min
